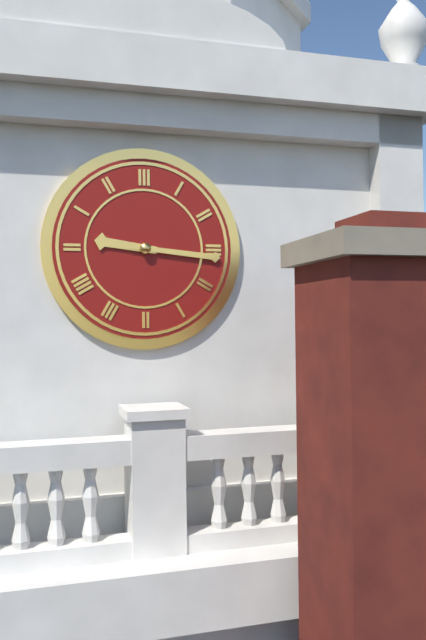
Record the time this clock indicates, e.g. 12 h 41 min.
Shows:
9 h 16 min
